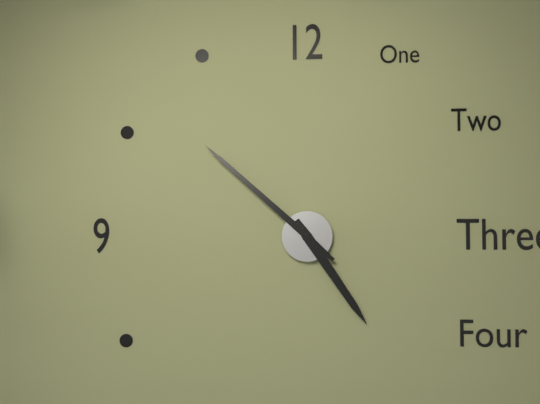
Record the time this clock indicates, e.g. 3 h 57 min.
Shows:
4 h 52 min
